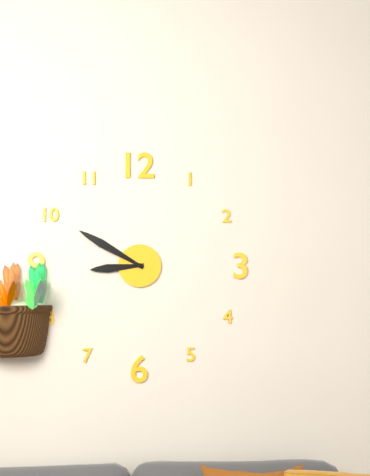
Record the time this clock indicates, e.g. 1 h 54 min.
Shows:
8 h 50 min
